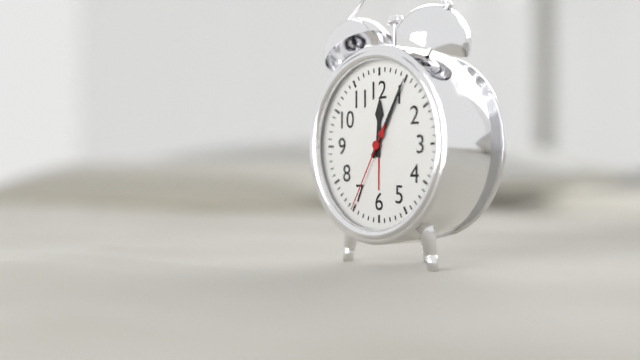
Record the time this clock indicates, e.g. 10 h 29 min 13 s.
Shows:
12 h 05 min 35 s
